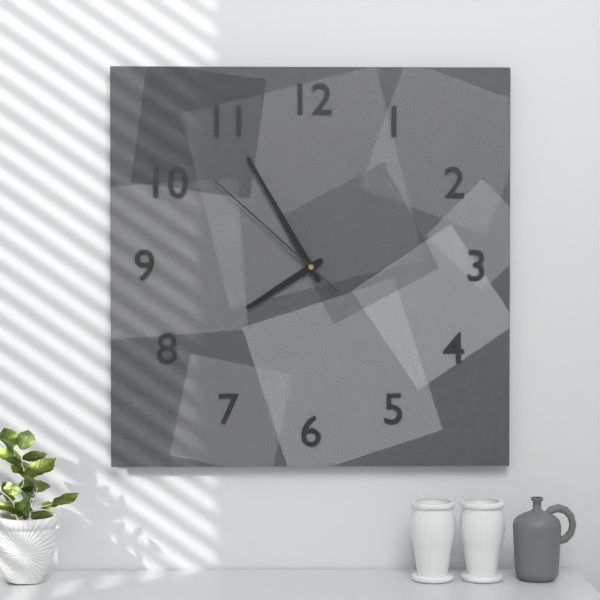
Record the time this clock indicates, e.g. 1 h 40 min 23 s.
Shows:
7 h 55 min 52 s
